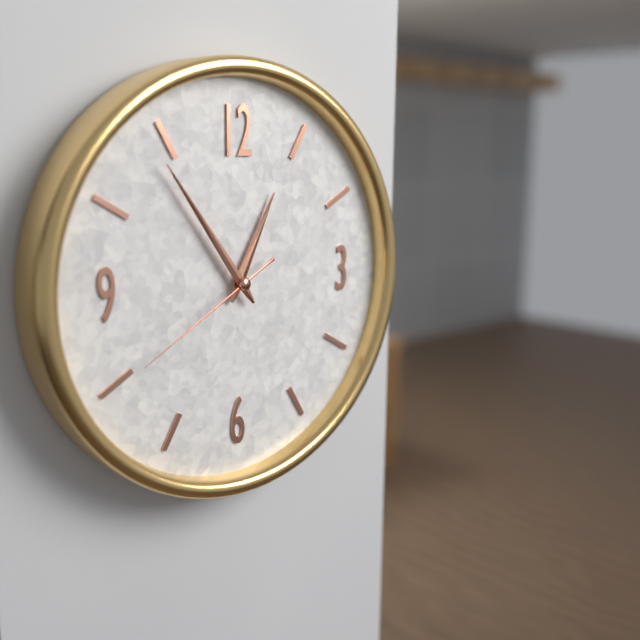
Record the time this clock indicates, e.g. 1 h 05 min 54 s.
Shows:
12 h 54 min 40 s
